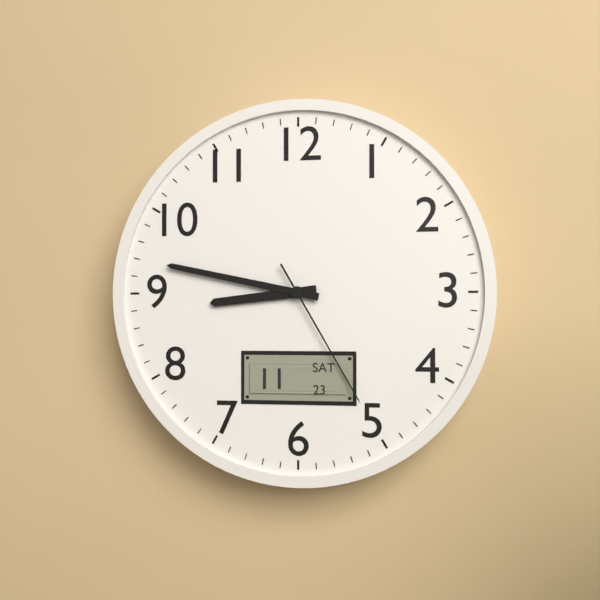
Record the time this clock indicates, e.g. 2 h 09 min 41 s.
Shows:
8 h 47 min 25 s
